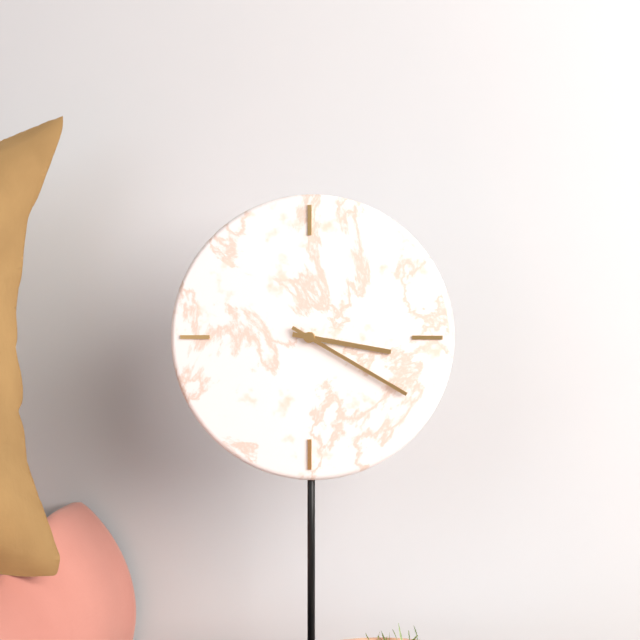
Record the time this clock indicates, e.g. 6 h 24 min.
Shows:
3 h 20 min
